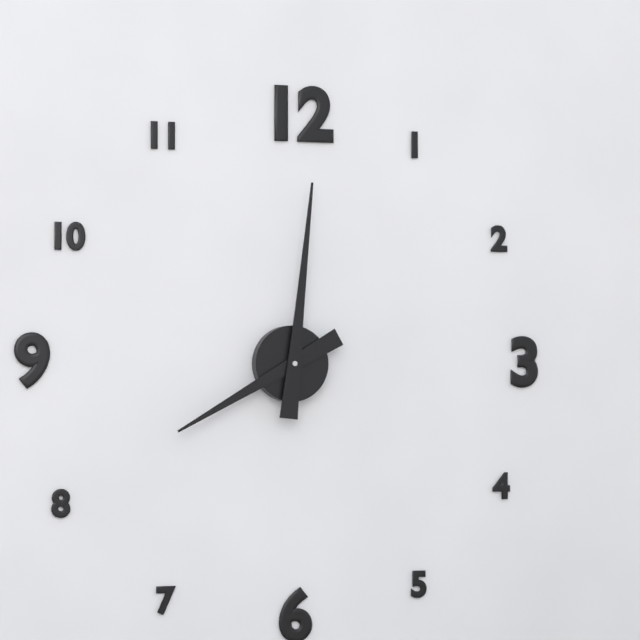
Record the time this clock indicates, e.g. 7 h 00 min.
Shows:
8 h 01 min
